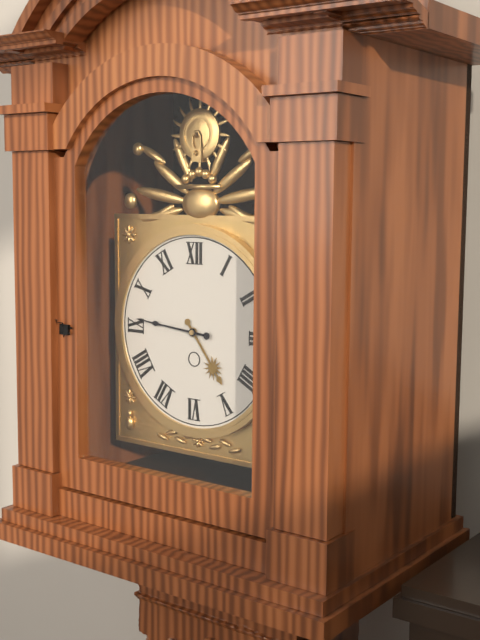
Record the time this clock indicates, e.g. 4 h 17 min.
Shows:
4 h 46 min
